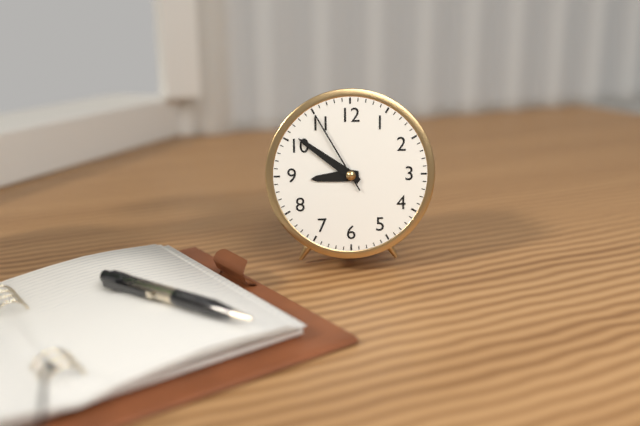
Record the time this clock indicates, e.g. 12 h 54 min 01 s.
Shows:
8 h 51 min 55 s
